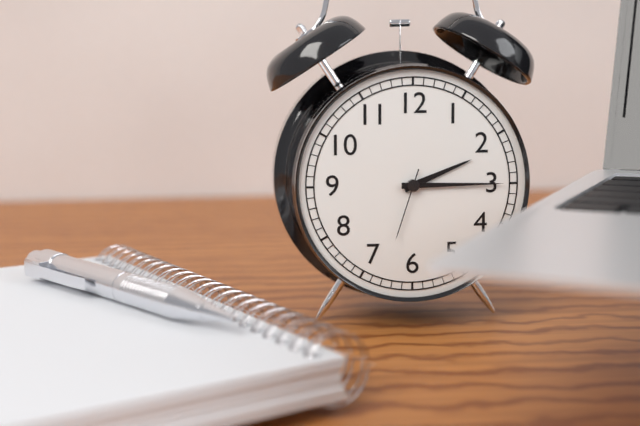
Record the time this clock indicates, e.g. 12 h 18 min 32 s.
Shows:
2 h 15 min 33 s
